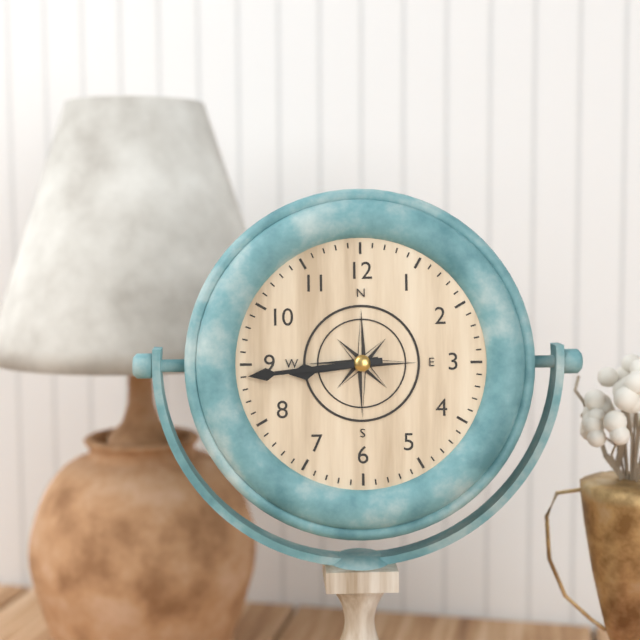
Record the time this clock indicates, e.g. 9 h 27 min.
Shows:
8 h 44 min
